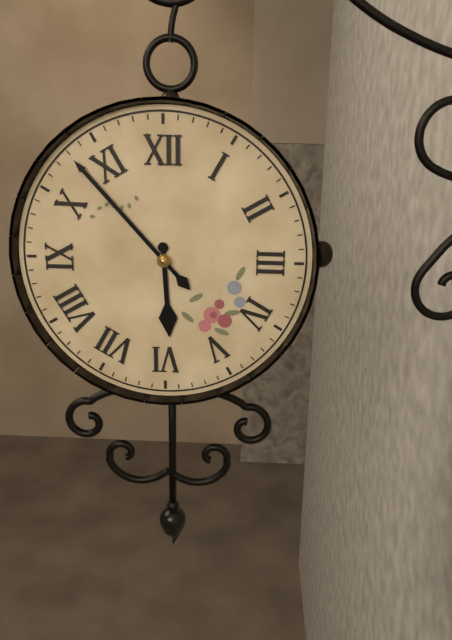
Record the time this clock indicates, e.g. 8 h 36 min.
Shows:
5 h 53 min
